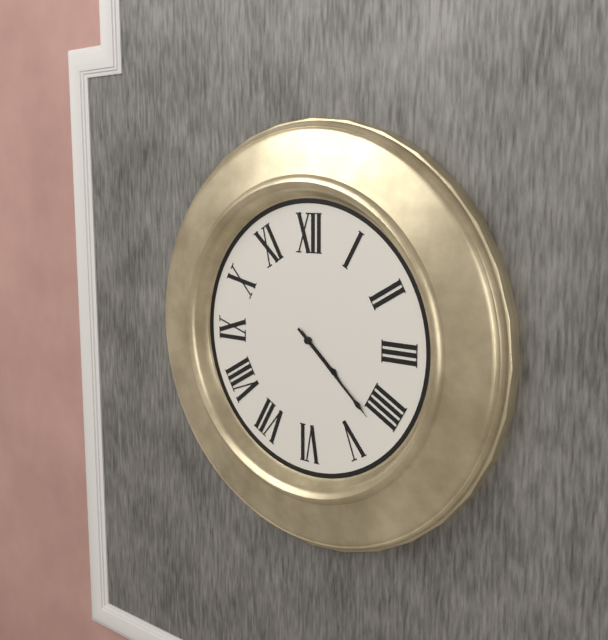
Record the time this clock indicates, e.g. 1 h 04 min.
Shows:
4 h 22 min
